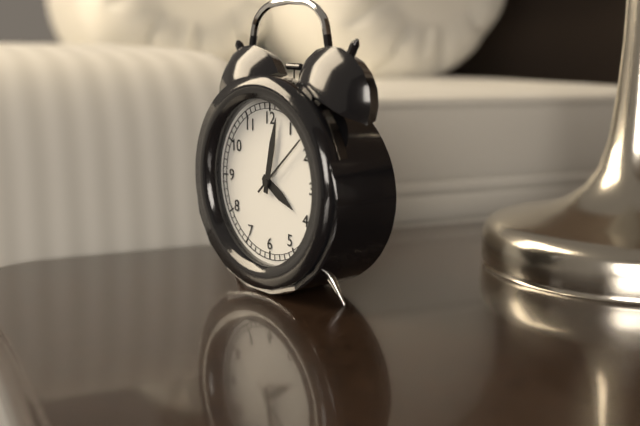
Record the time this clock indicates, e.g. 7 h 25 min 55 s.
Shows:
4 h 02 min 08 s
